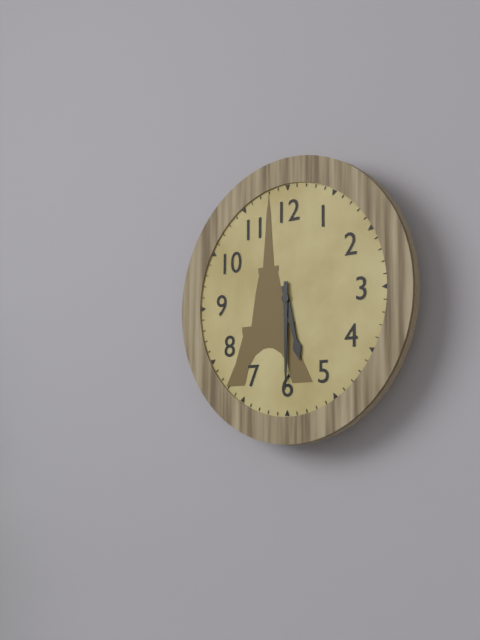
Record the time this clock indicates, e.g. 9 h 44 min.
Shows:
5 h 30 min
